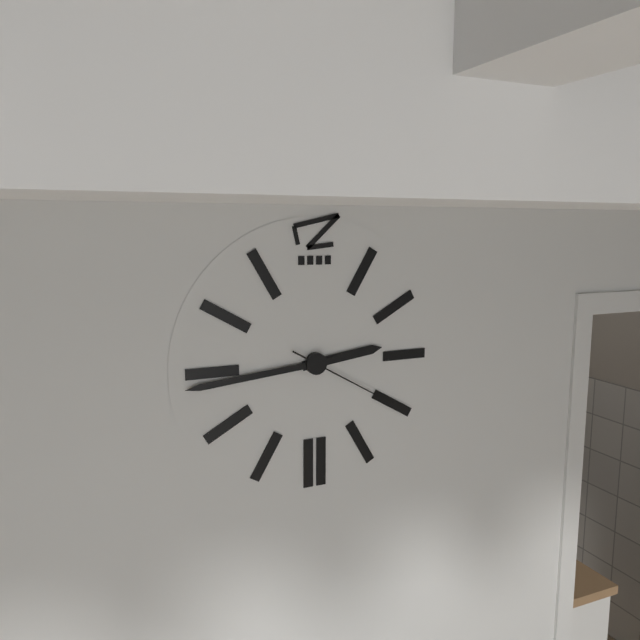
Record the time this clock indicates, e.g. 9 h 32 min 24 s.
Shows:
2 h 44 min 20 s
